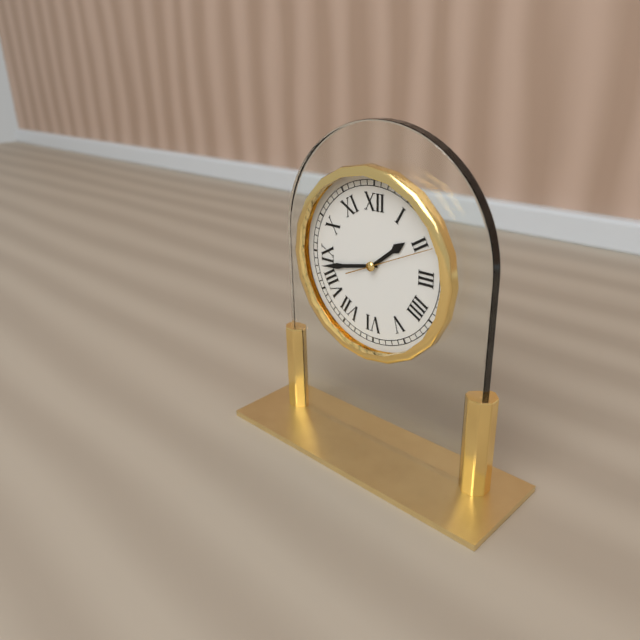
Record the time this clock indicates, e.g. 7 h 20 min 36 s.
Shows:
1 h 43 min 11 s
